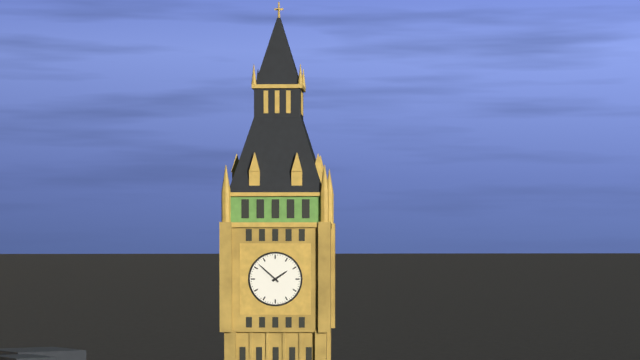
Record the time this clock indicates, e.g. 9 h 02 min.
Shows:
1 h 52 min
